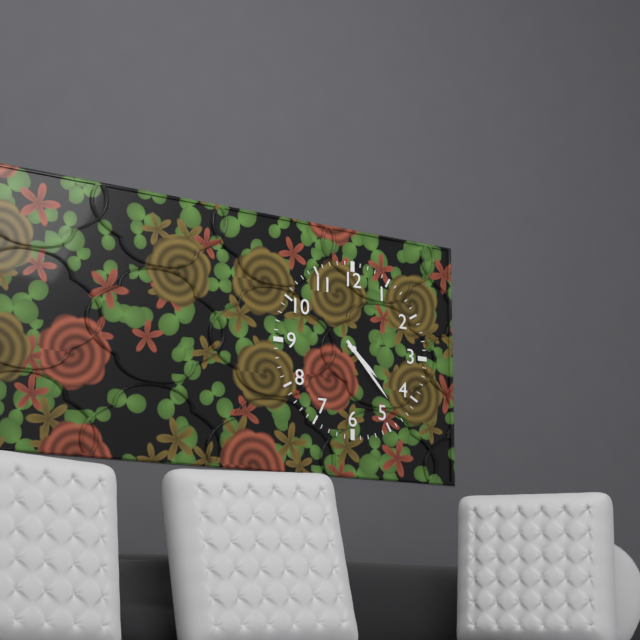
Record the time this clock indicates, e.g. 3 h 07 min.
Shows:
4 h 23 min
